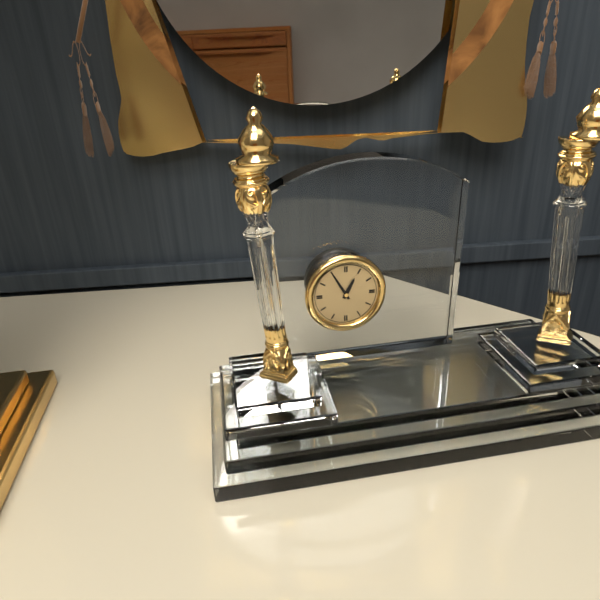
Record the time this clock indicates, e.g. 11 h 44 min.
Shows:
12 h 55 min
